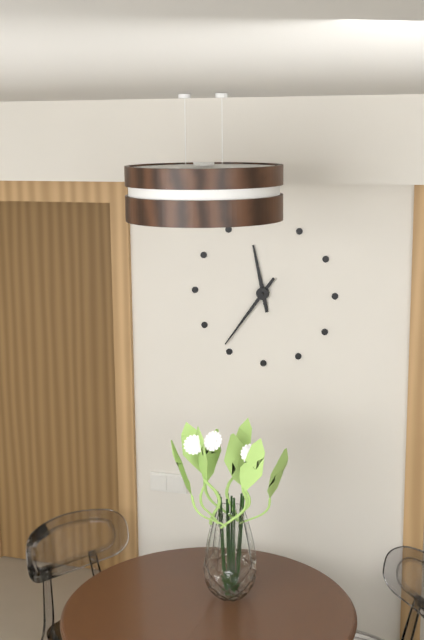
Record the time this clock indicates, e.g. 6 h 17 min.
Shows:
11 h 36 min
